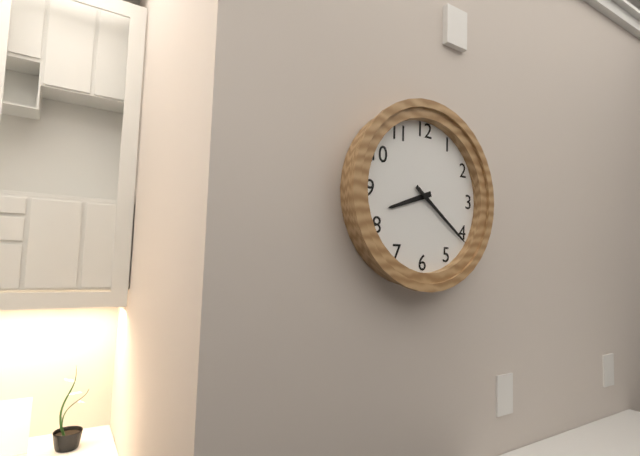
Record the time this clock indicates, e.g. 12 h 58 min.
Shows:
8 h 21 min
